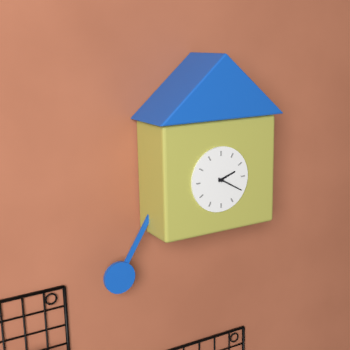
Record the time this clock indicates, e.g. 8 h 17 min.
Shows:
2 h 20 min
